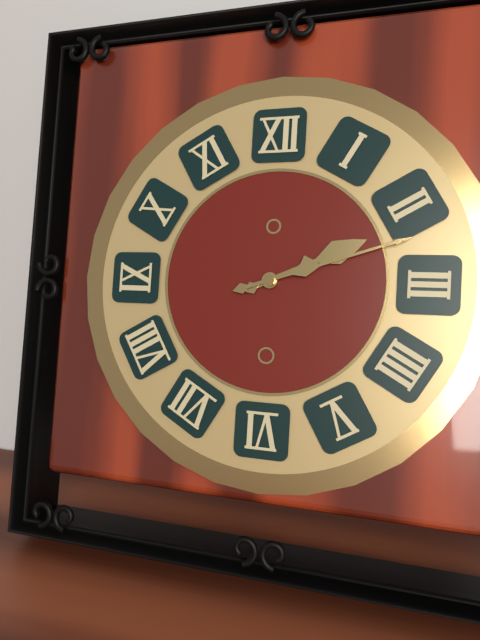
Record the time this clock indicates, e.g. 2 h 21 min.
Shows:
2 h 12 min
